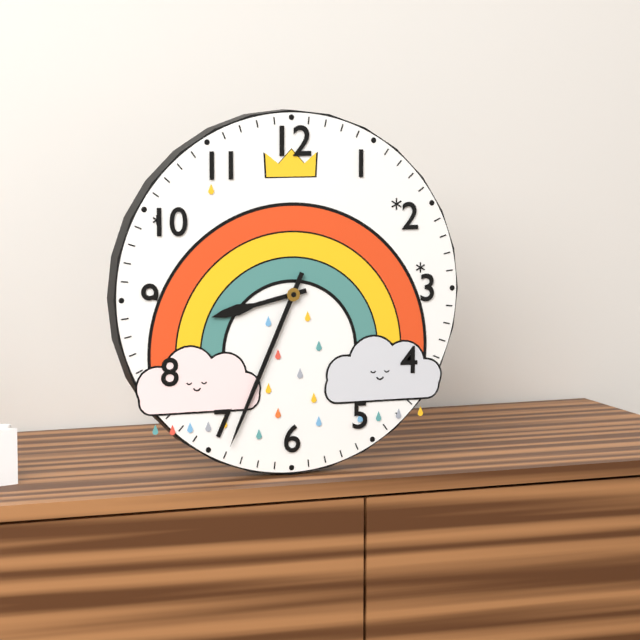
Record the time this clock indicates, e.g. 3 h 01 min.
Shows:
8 h 34 min
